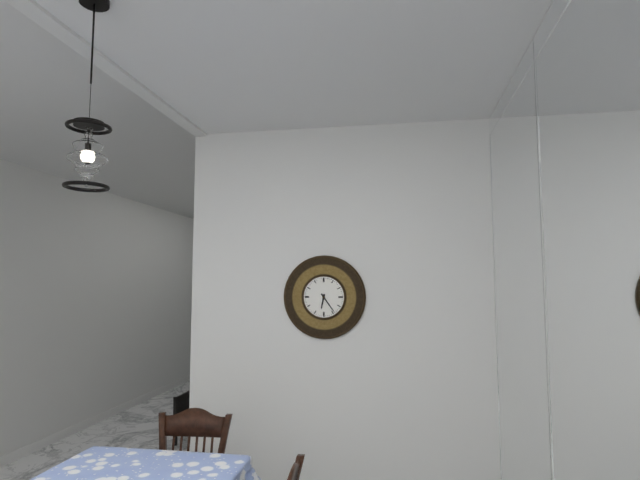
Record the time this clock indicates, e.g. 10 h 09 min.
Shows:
6 h 24 min
